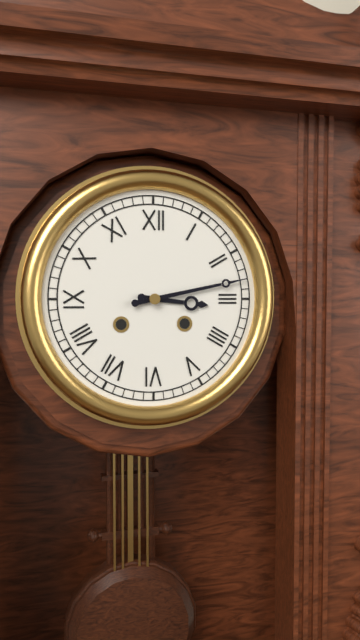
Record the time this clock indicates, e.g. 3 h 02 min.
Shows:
3 h 13 min
